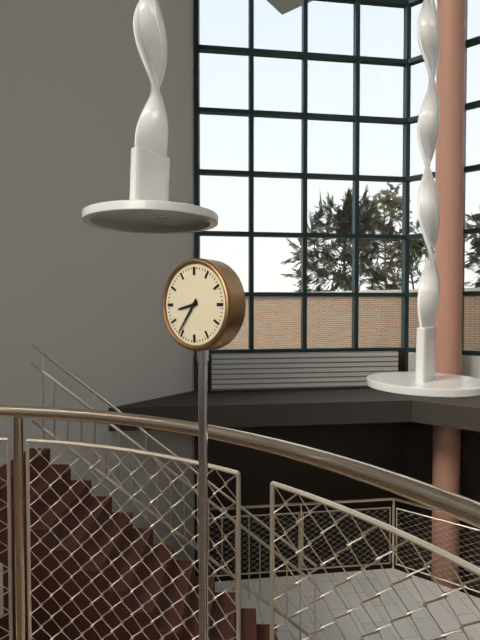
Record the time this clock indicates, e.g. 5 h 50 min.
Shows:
8 h 36 min
